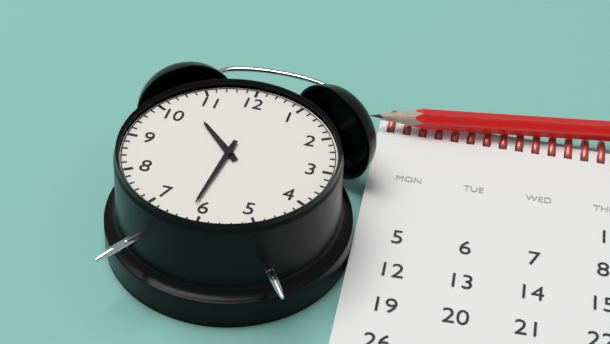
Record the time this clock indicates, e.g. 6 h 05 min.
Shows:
10 h 31 min
